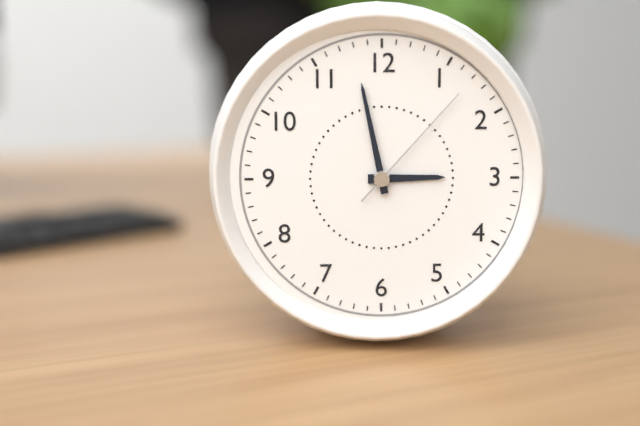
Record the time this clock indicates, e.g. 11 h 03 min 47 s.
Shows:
2 h 58 min 07 s
